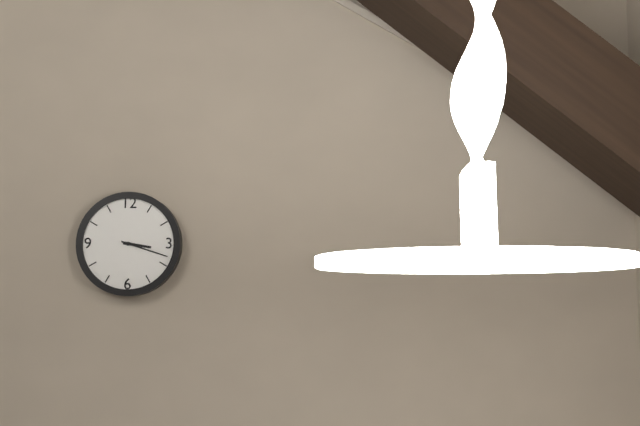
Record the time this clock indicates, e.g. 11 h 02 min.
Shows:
3 h 18 min
